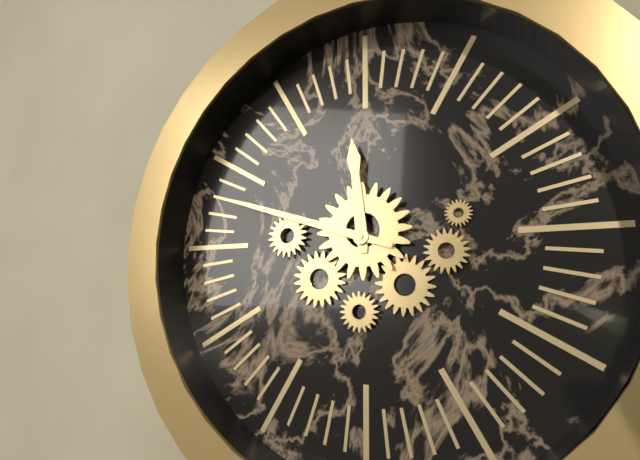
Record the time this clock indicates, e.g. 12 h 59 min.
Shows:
11 h 48 min
